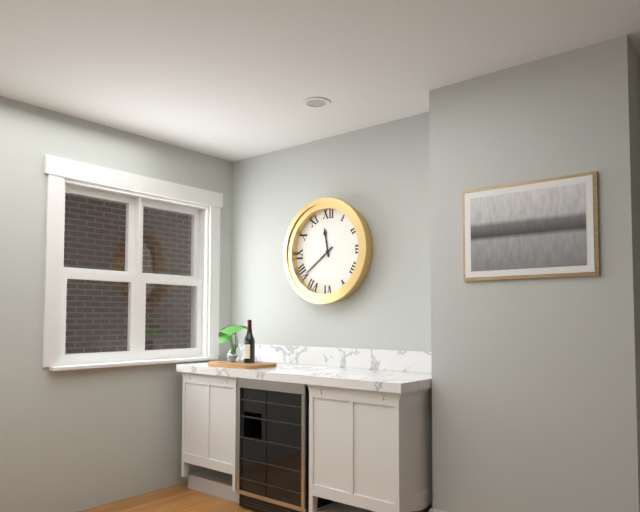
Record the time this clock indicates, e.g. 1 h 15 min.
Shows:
11 h 39 min
